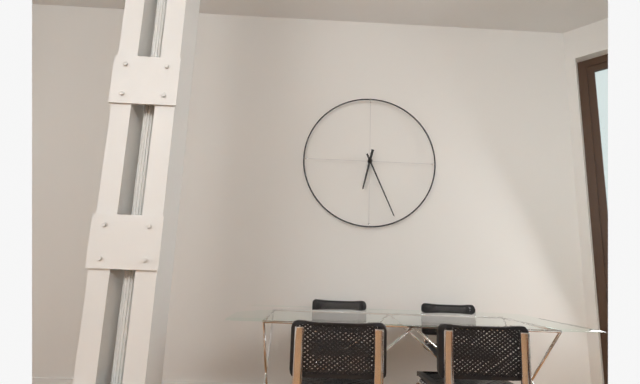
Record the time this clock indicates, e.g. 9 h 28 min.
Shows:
6 h 26 min
